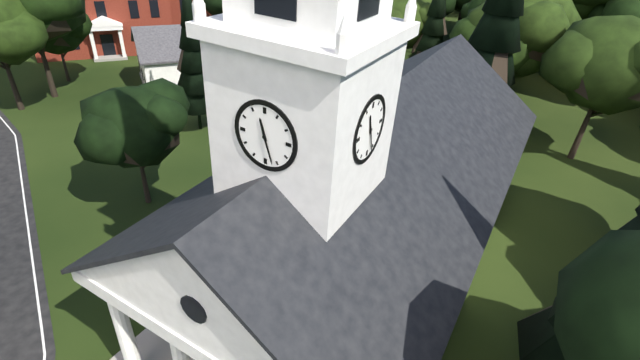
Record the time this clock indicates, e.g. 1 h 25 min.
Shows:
11 h 27 min
